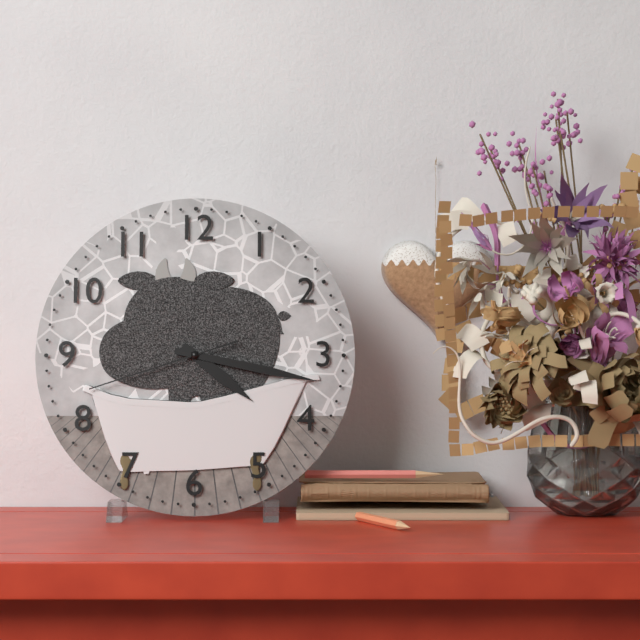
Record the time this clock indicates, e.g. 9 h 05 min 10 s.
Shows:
4 h 17 min 42 s
